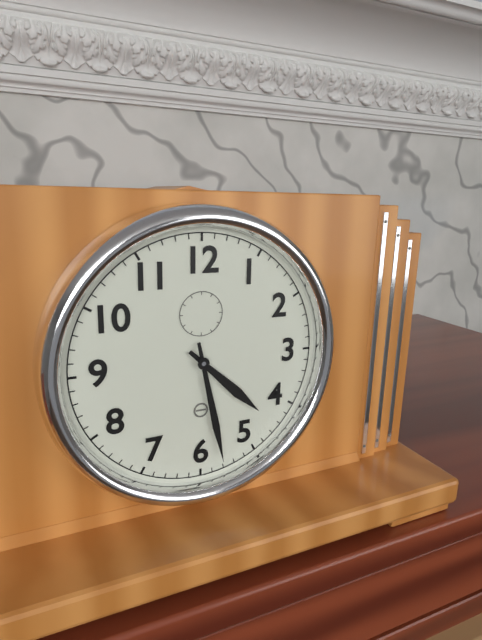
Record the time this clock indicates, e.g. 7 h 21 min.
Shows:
4 h 28 min
